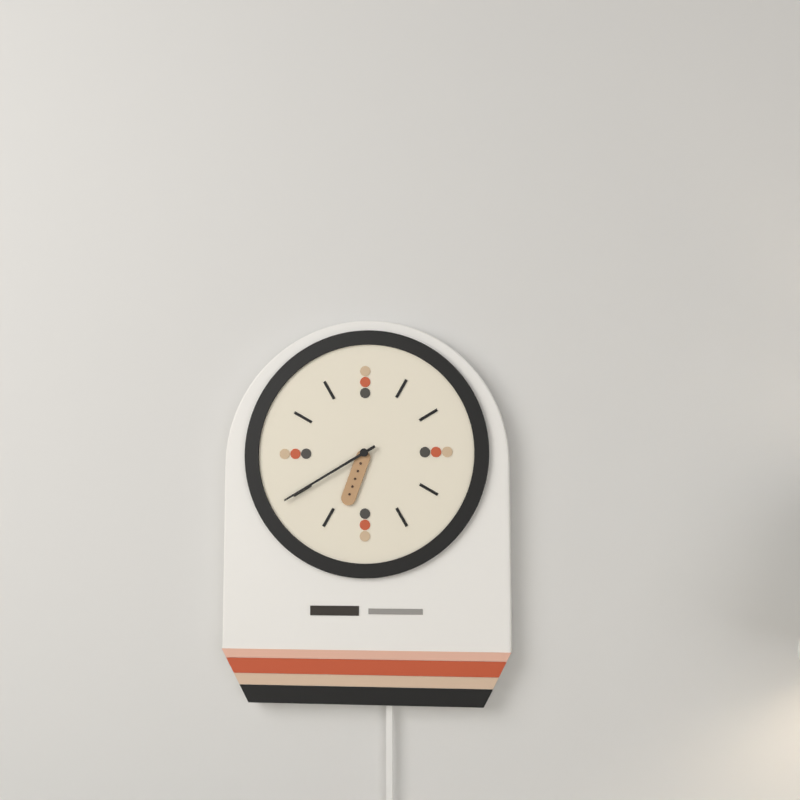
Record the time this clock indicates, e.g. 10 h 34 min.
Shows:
6 h 40 min
